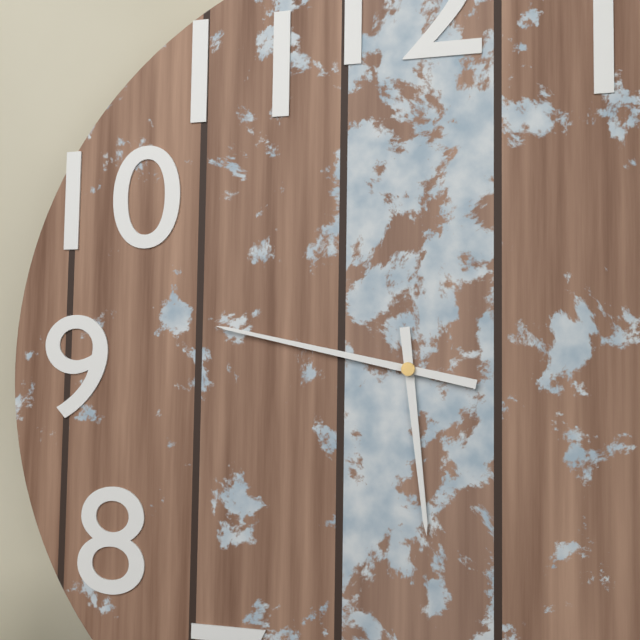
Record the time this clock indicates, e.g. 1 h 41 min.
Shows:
5 h 47 min
